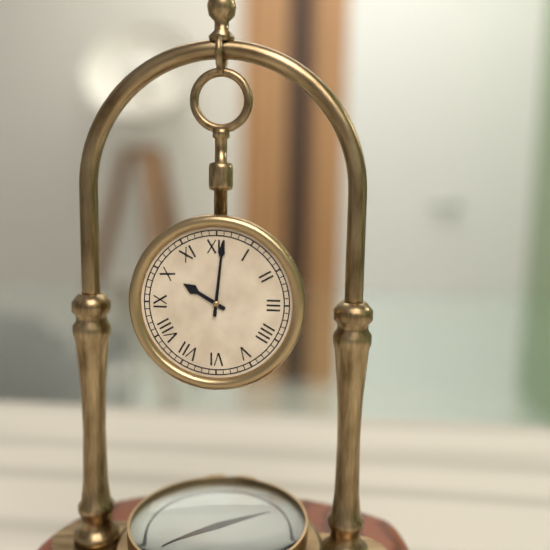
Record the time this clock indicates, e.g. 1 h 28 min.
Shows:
10 h 01 min
